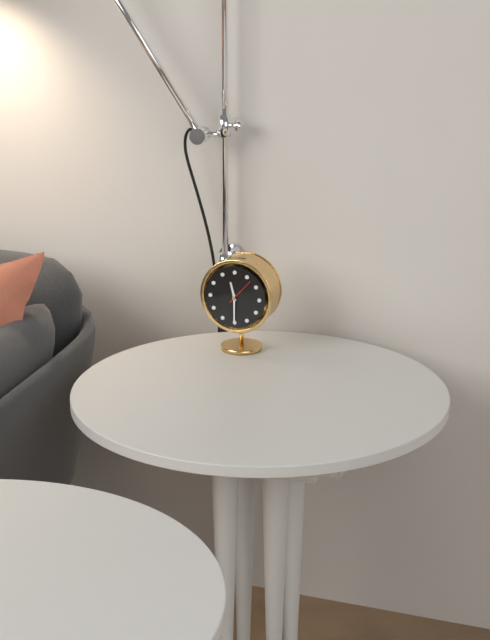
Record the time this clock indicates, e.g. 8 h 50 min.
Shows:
11 h 30 min
